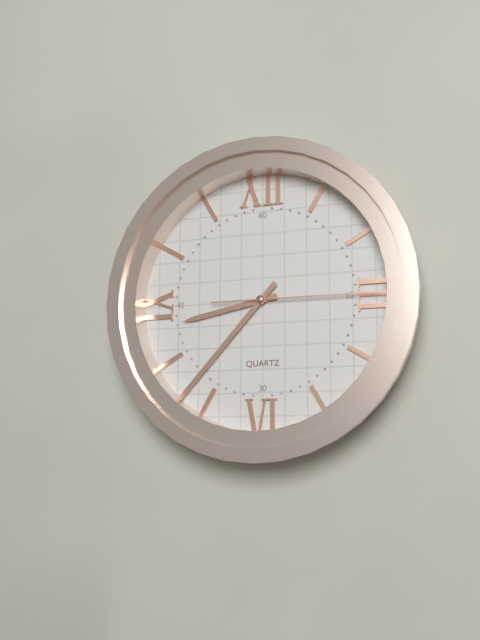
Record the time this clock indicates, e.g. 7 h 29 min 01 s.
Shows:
8 h 37 min 15 s
